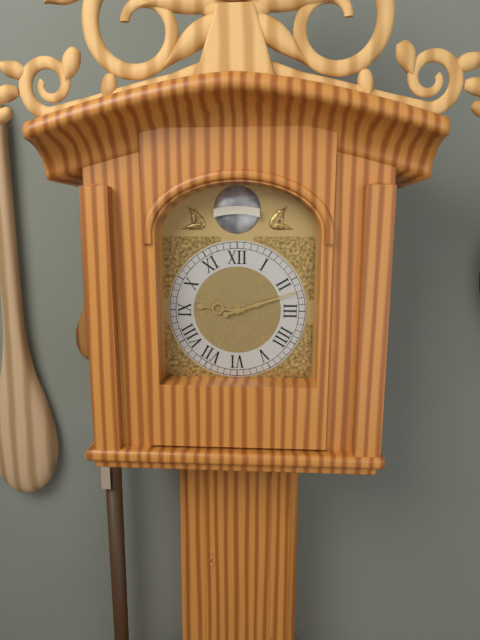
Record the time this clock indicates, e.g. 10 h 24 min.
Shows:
9 h 12 min
